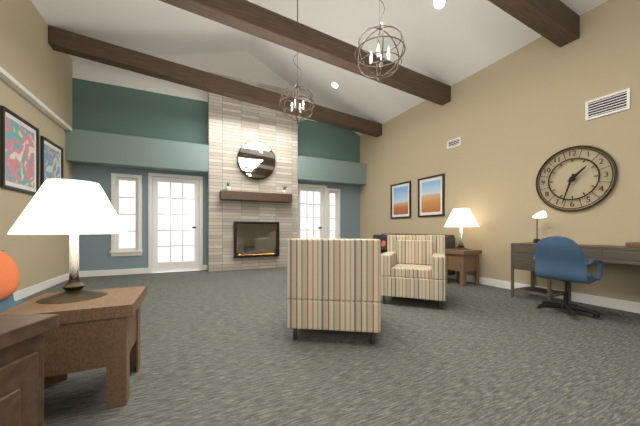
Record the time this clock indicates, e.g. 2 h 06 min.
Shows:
1 h 33 min
